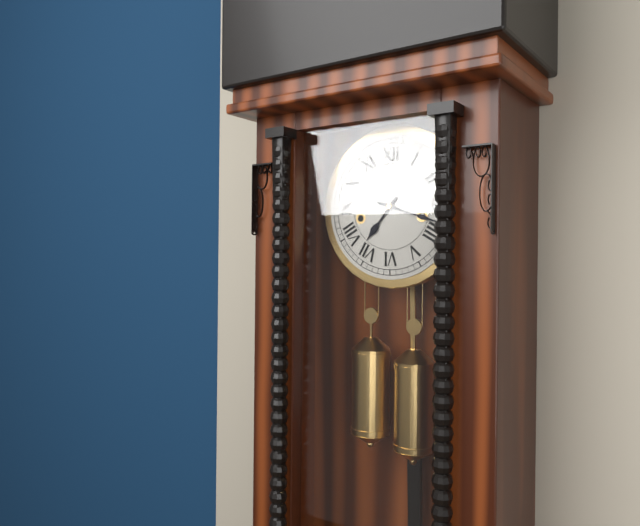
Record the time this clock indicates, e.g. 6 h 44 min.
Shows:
7 h 18 min
